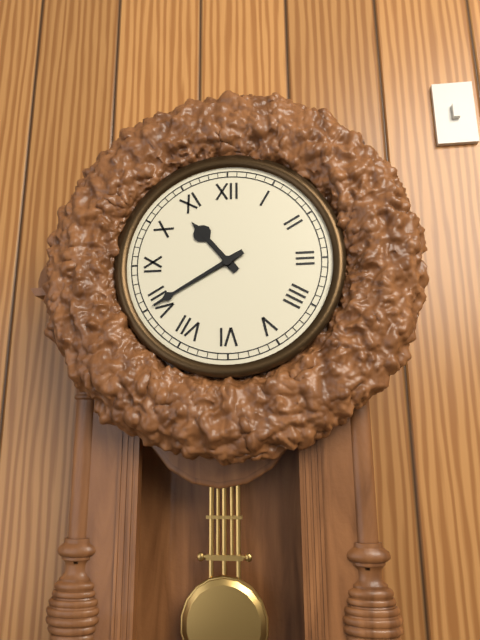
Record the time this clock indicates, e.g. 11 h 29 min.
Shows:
10 h 40 min
